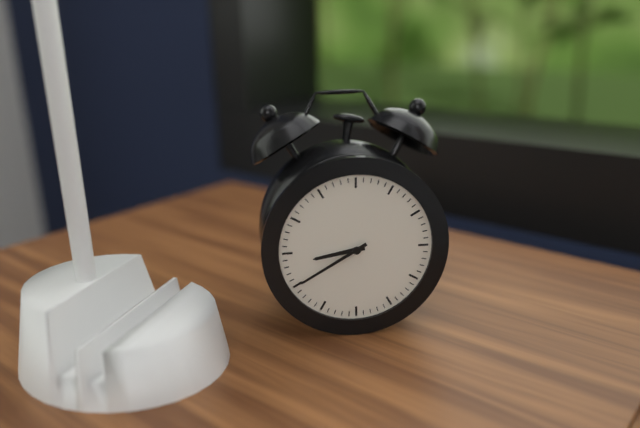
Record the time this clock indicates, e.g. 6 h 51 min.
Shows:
8 h 40 min
